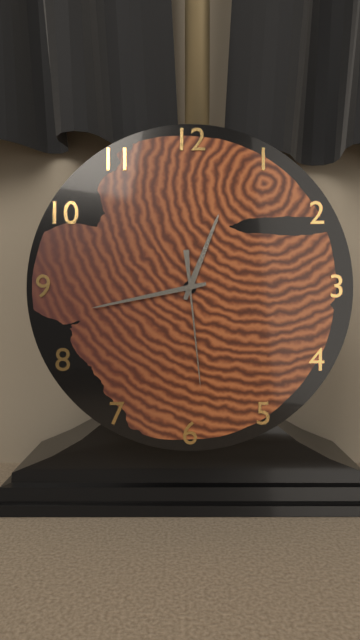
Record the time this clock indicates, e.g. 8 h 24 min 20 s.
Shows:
12 h 43 min 29 s
